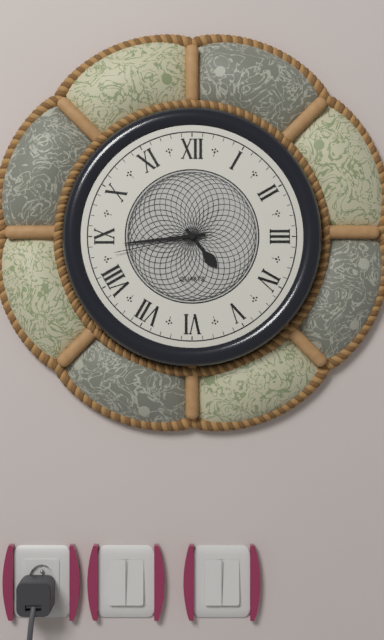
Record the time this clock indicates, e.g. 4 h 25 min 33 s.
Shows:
4 h 44 min 43 s
